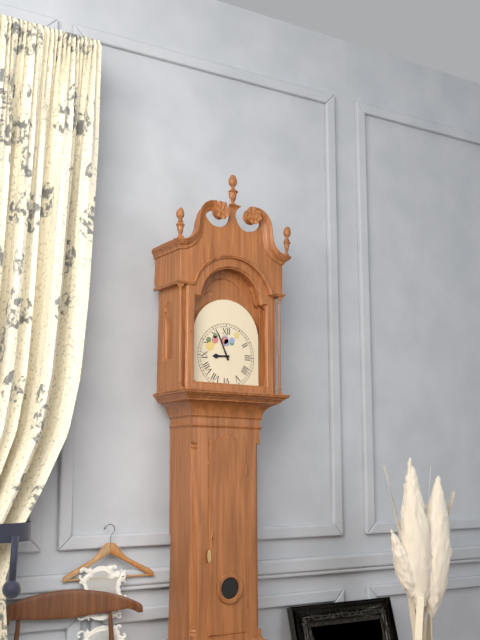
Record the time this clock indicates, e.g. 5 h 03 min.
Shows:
8 h 56 min
